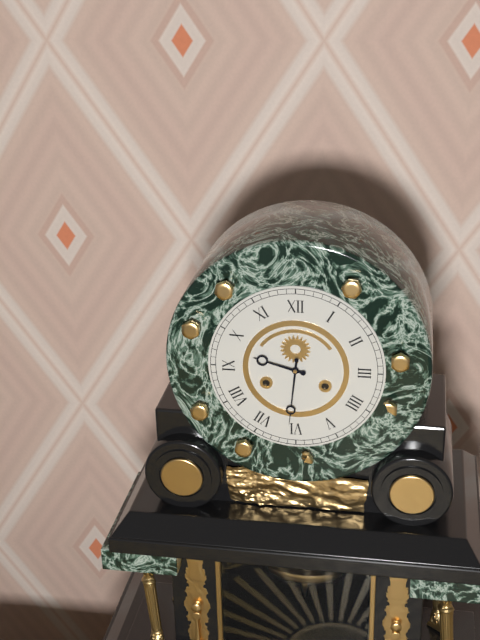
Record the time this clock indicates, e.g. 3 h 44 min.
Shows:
9 h 31 min
